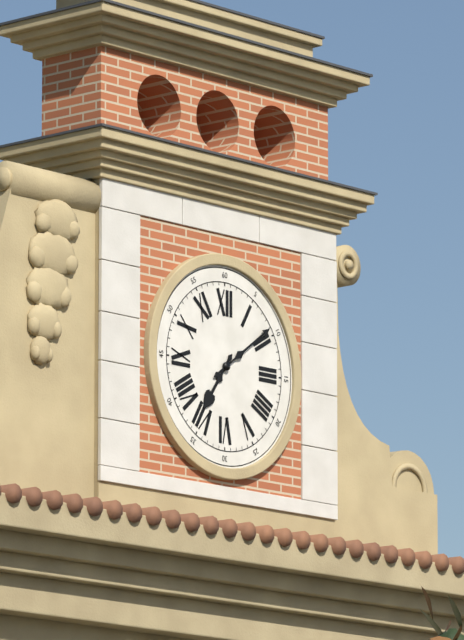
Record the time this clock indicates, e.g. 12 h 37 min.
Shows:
7 h 09 min
